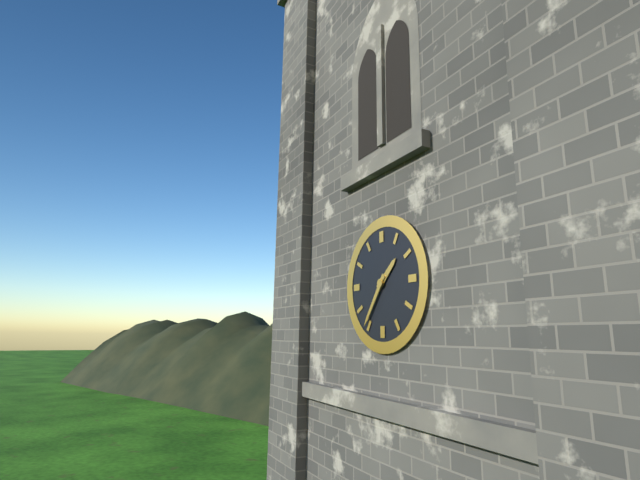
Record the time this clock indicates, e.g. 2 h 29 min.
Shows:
1 h 36 min
